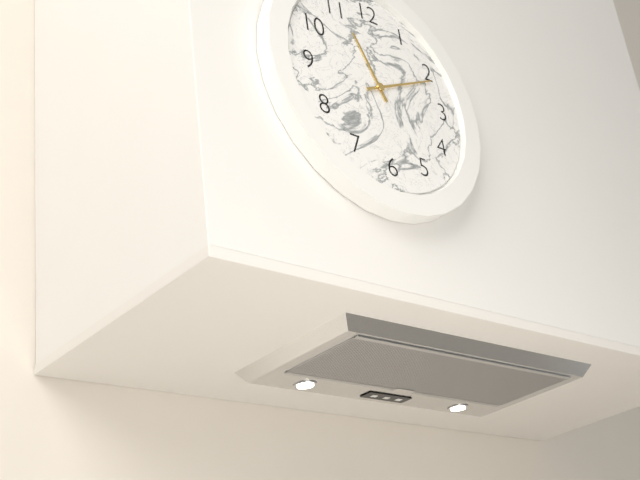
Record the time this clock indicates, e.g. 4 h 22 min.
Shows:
11 h 11 min
